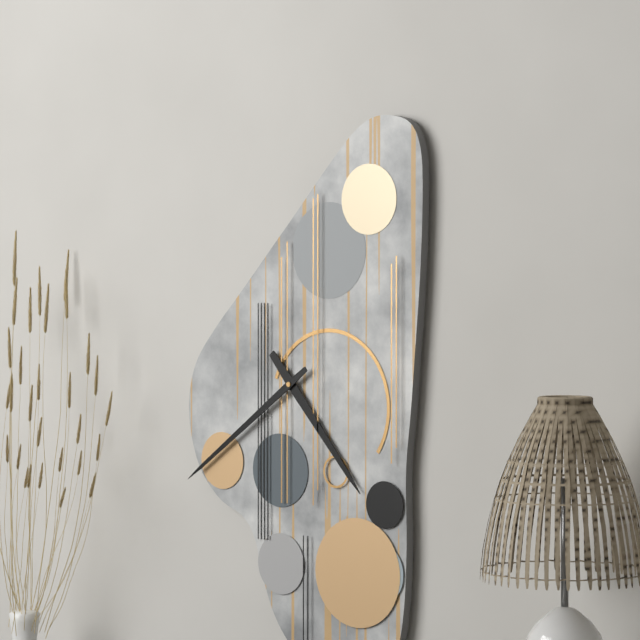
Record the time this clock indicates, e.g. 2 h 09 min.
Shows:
4 h 39 min
